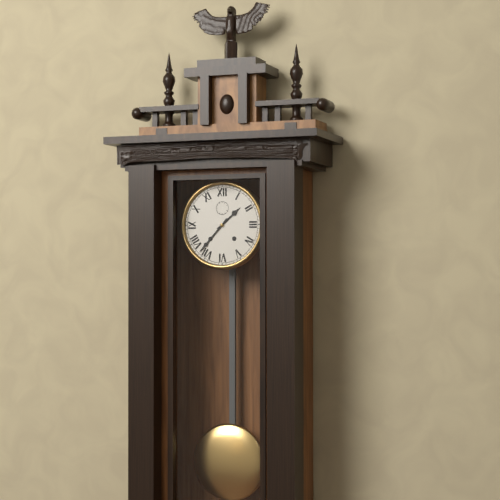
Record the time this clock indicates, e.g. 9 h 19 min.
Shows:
1 h 37 min
